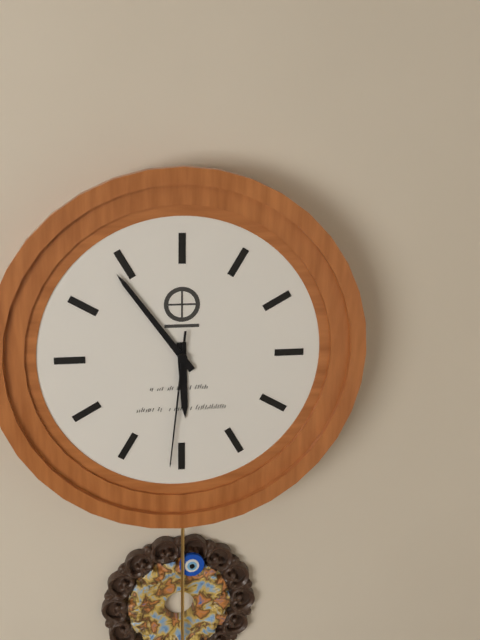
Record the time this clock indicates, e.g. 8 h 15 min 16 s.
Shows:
5 h 54 min 31 s
